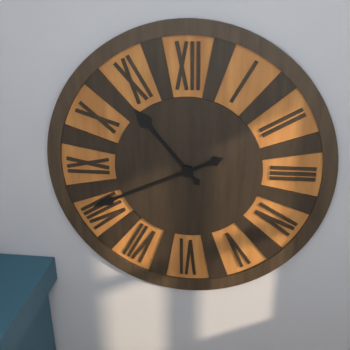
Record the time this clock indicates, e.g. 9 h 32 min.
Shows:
10 h 41 min
